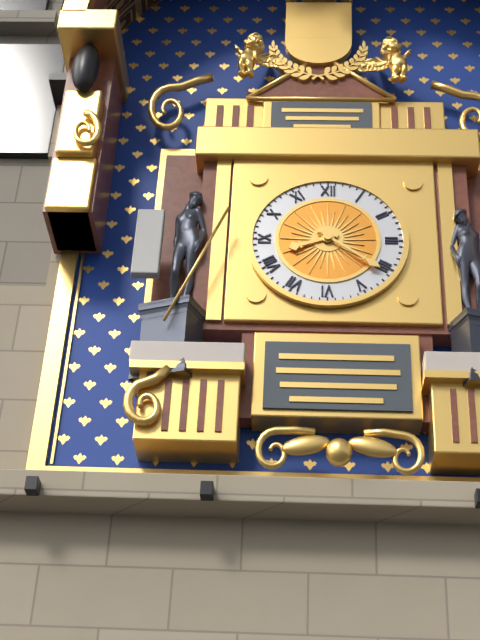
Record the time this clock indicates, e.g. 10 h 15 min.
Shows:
8 h 21 min
